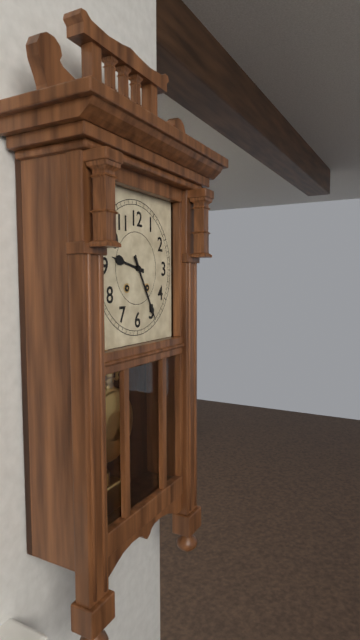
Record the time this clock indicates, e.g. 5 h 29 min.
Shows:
9 h 25 min
